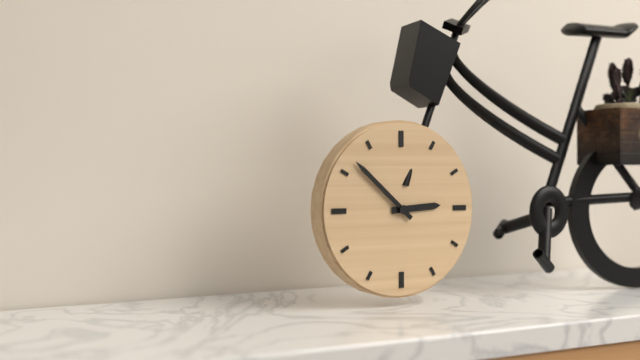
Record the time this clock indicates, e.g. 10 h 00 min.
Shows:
2 h 52 min
